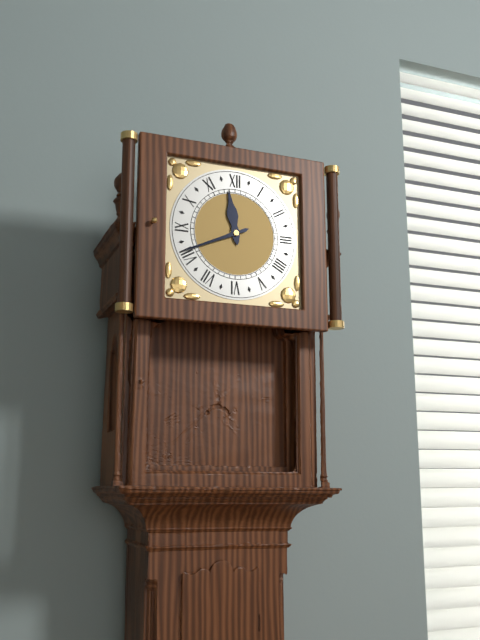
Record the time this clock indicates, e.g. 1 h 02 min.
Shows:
11 h 41 min
